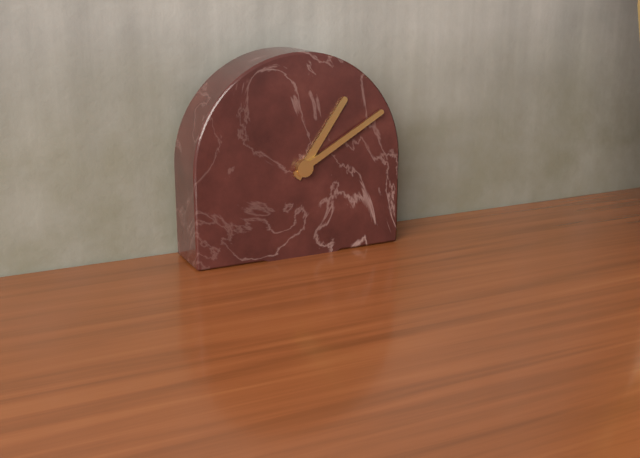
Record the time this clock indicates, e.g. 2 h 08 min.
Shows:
1 h 10 min
